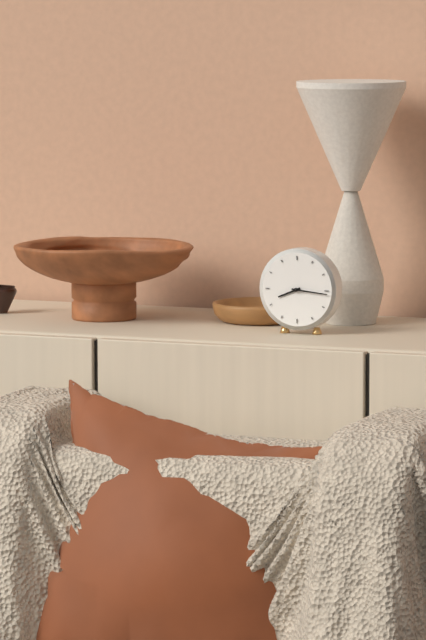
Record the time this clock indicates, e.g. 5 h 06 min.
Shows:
8 h 16 min
